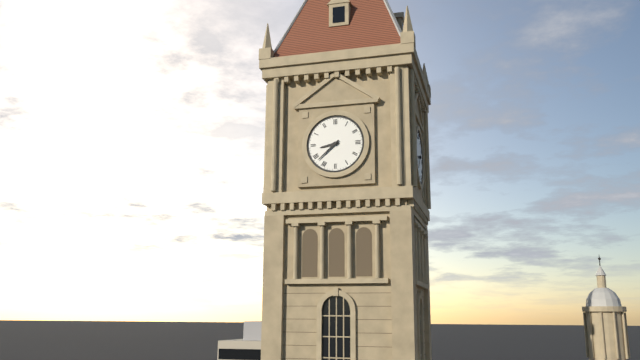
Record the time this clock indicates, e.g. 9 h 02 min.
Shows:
8 h 38 min
